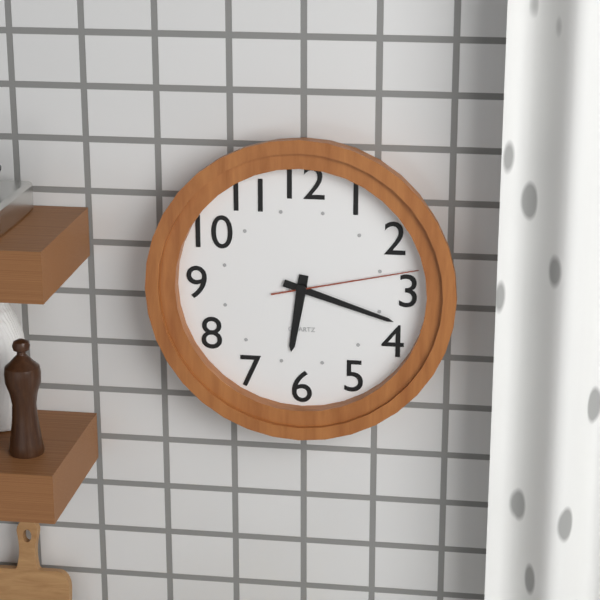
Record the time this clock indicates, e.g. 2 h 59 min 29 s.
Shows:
6 h 18 min 13 s
